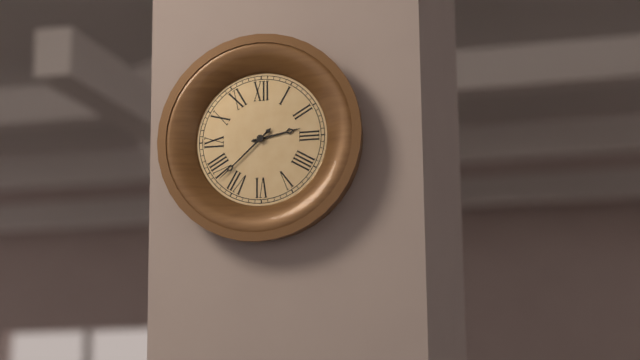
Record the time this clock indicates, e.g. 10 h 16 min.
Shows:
2 h 38 min
